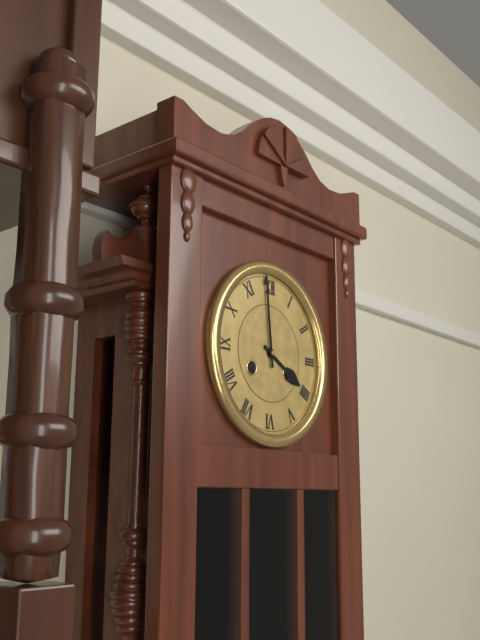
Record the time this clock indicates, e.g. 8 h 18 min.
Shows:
3 h 59 min
